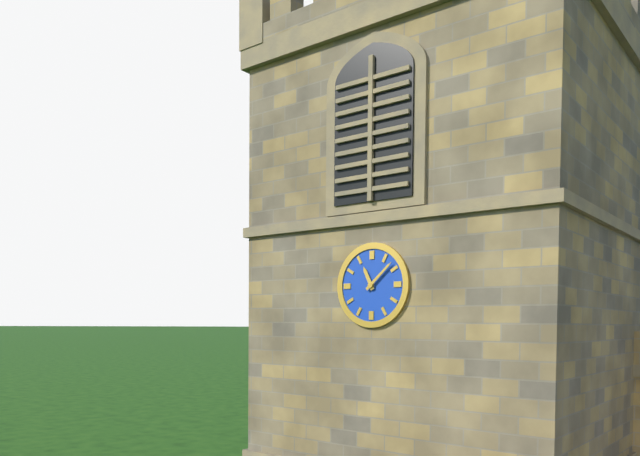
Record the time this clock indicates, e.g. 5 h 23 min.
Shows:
11 h 08 min
